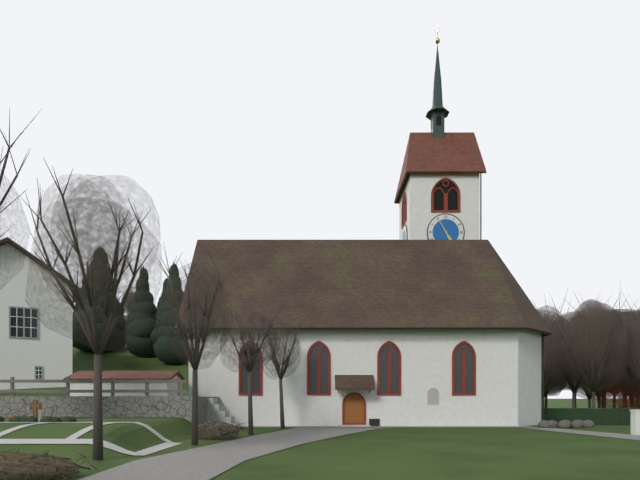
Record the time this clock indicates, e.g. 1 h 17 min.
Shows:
4 h 55 min
